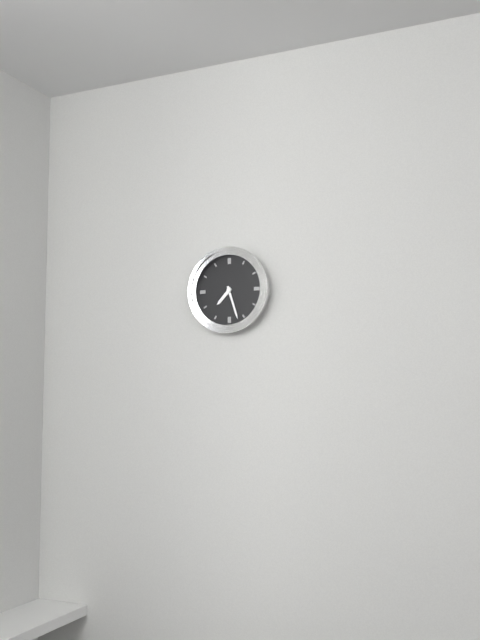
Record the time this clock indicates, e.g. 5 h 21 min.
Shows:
7 h 27 min
